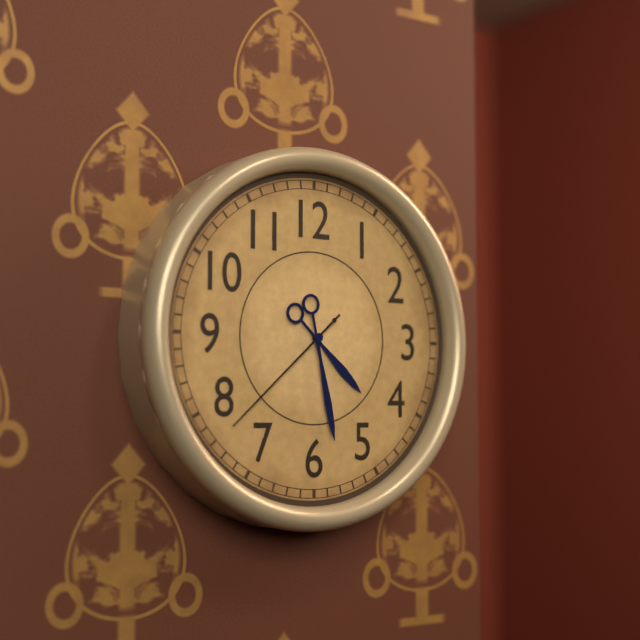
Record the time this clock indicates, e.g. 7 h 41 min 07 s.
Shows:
4 h 28 min 38 s
